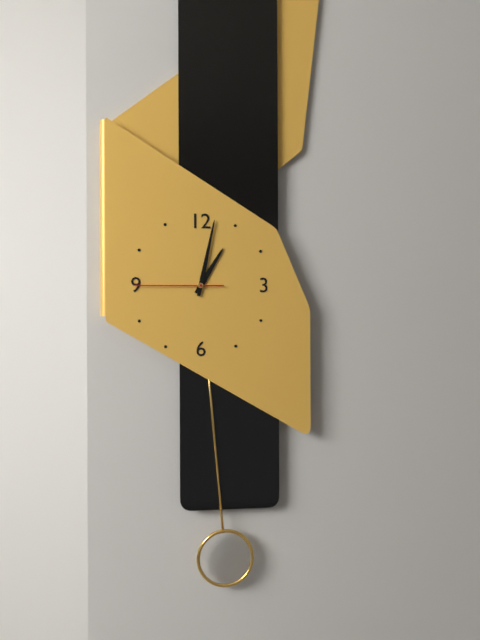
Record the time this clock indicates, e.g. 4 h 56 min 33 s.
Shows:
1 h 02 min 45 s
